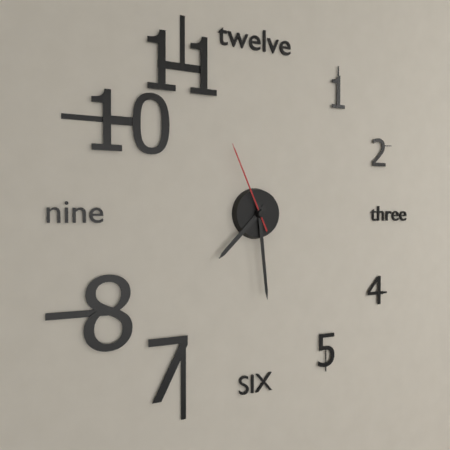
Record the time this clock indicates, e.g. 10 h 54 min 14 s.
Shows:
7 h 29 min 56 s
